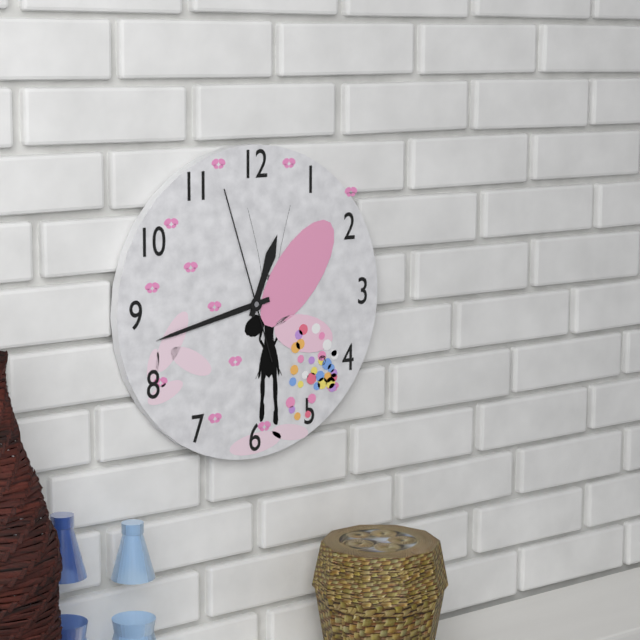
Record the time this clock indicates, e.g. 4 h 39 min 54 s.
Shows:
12 h 43 min 57 s
